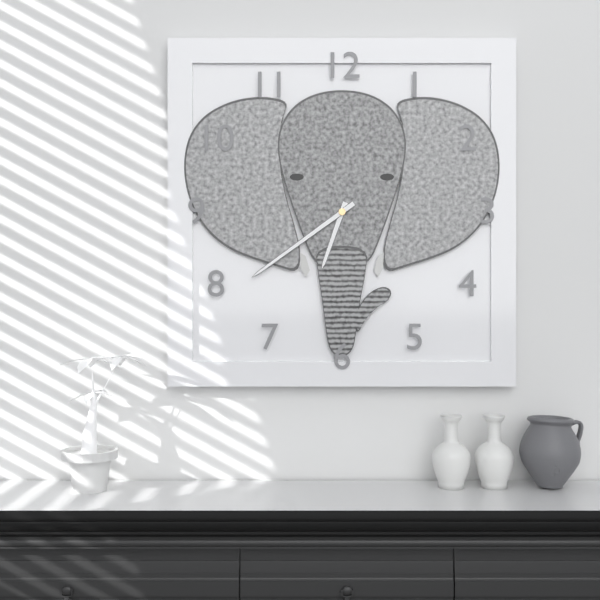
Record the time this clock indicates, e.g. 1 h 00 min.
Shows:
6 h 39 min
